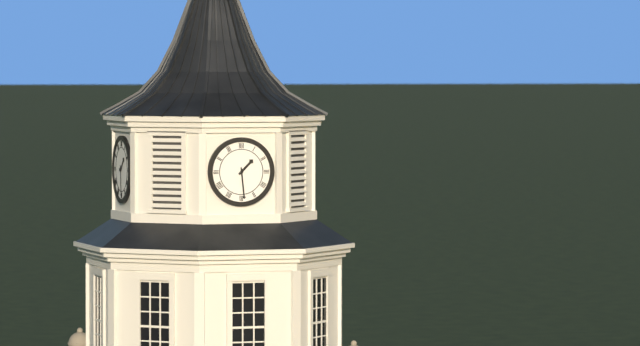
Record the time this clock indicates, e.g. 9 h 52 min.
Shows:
1 h 29 min
